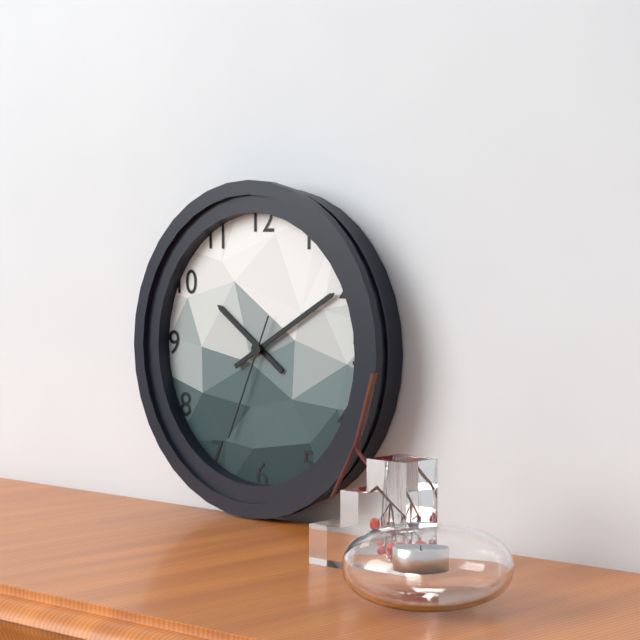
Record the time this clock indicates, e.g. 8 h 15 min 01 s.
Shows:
10 h 10 min 34 s
